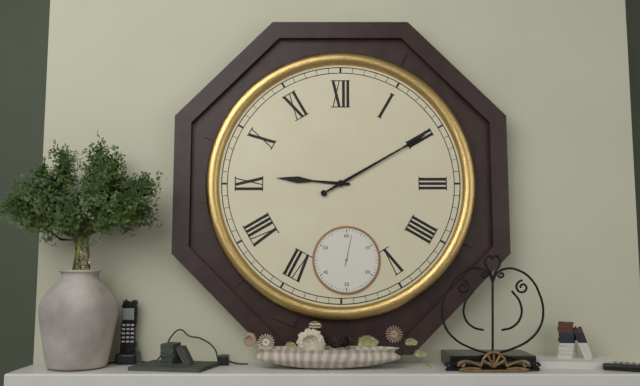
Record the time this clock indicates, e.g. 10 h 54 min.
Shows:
9 h 10 min
